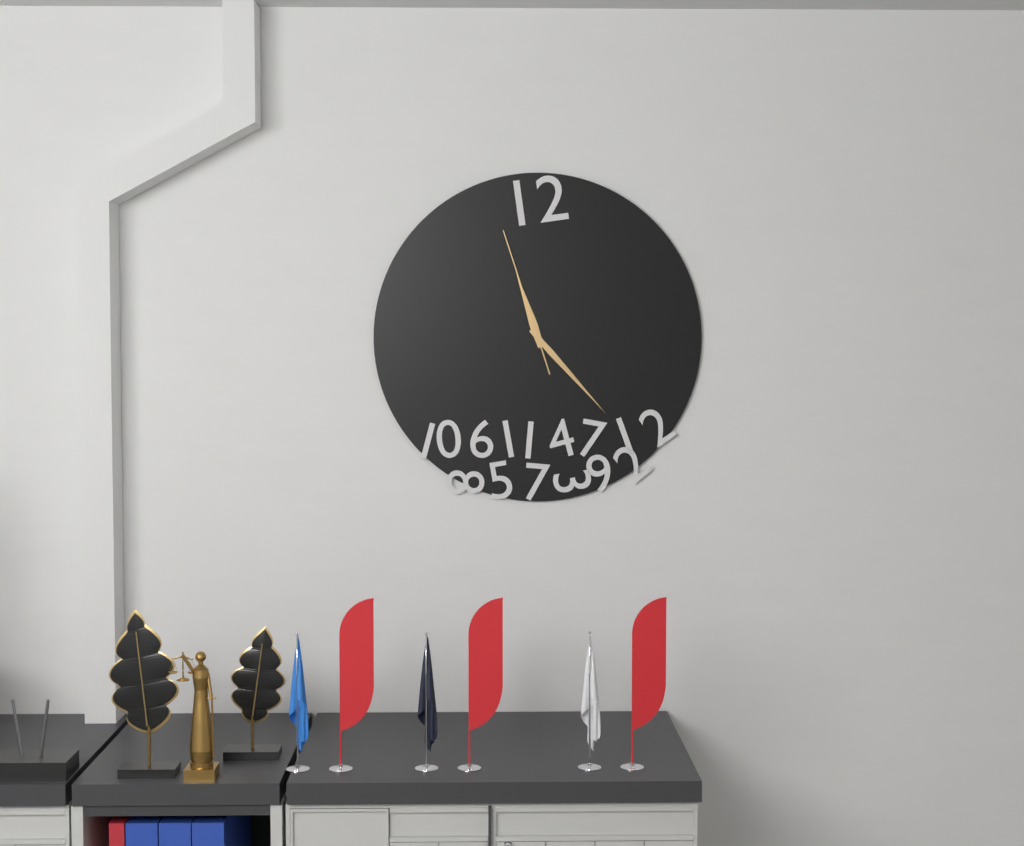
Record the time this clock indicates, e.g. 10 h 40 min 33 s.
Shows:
11 h 23 min 57 s
